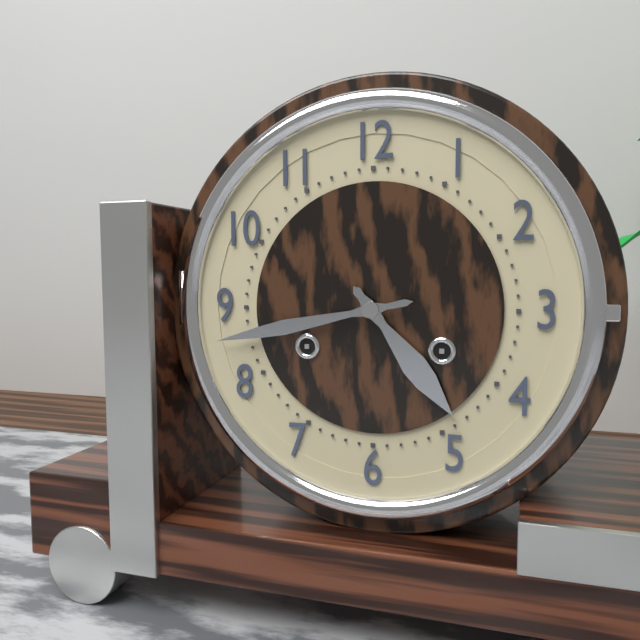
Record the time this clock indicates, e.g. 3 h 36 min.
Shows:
4 h 43 min
